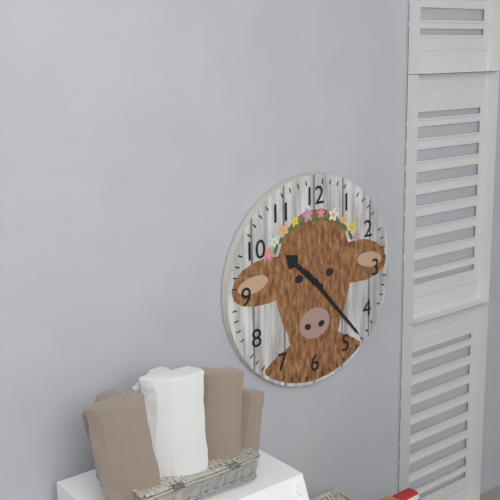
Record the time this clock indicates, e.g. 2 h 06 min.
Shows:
10 h 23 min
